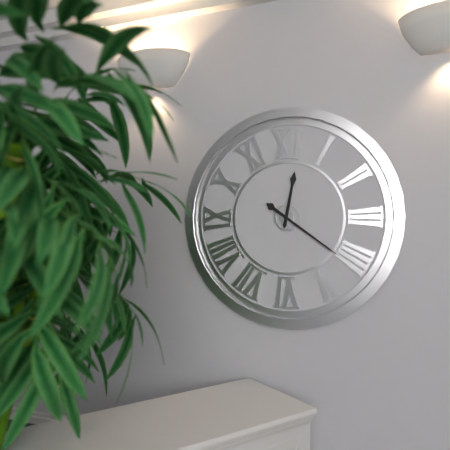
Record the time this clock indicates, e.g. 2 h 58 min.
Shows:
12 h 21 min
